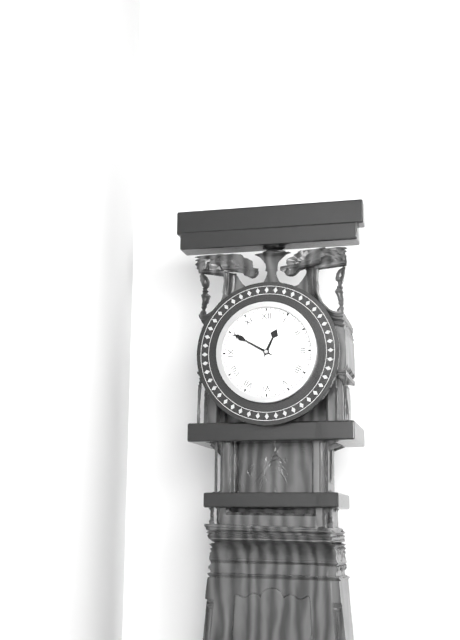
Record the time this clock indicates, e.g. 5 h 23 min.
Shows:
12 h 50 min
